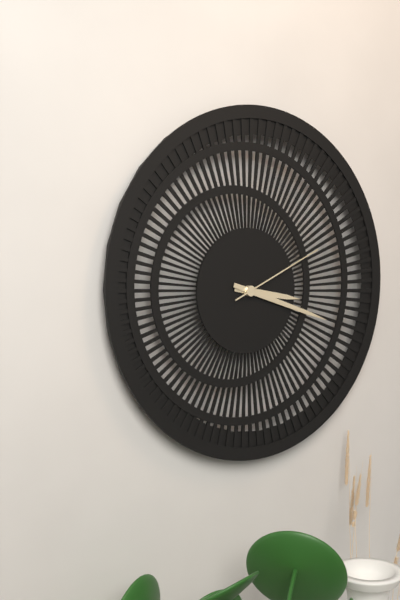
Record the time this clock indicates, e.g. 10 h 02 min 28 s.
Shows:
3 h 18 min 11 s
